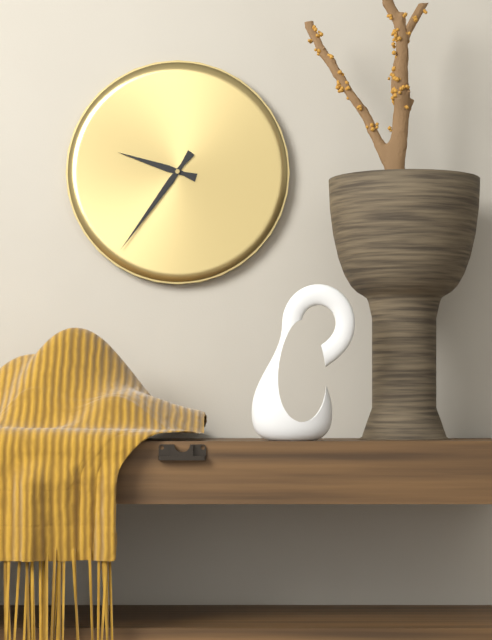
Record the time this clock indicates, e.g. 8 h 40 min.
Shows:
9 h 36 min
